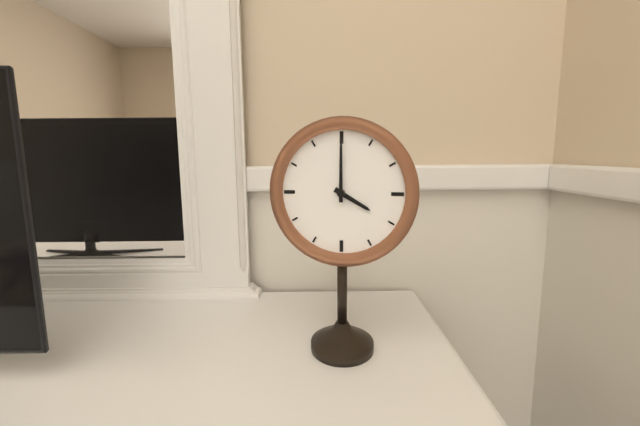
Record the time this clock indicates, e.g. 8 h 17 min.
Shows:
4 h 00 min
